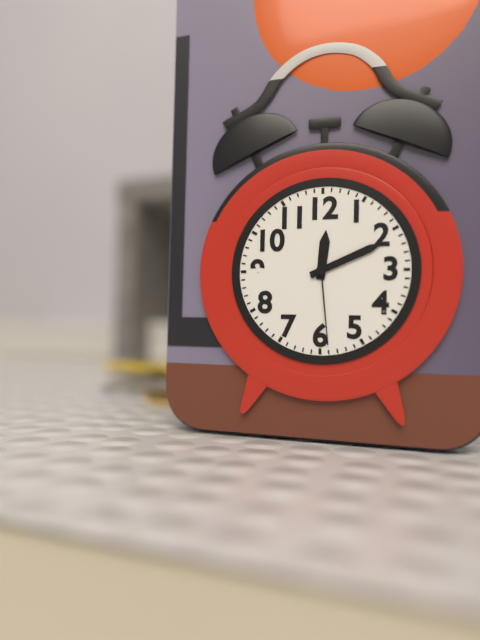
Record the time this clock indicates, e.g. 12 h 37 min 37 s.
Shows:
12 h 11 min 29 s
